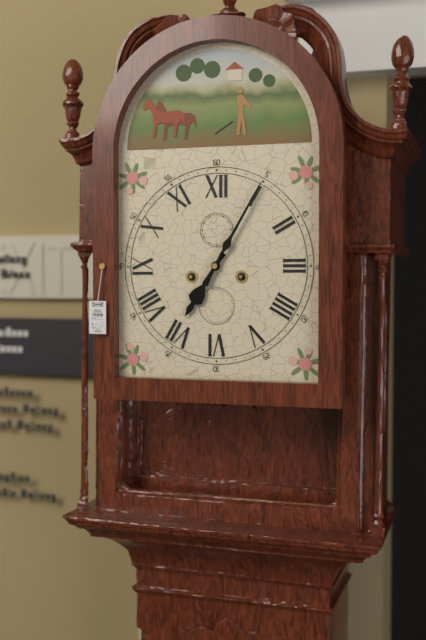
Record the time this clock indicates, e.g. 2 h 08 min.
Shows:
7 h 05 min
